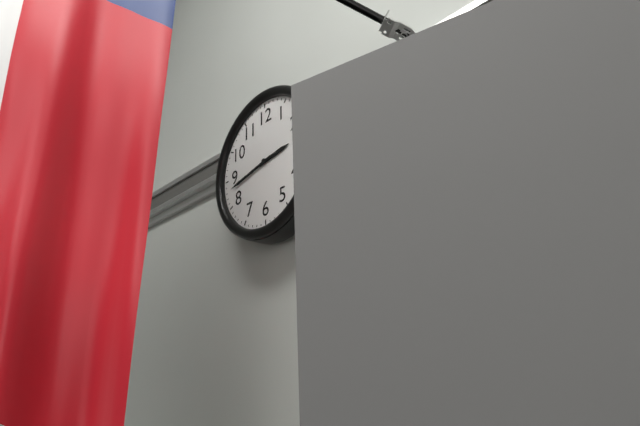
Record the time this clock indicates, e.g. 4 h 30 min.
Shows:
2 h 43 min
